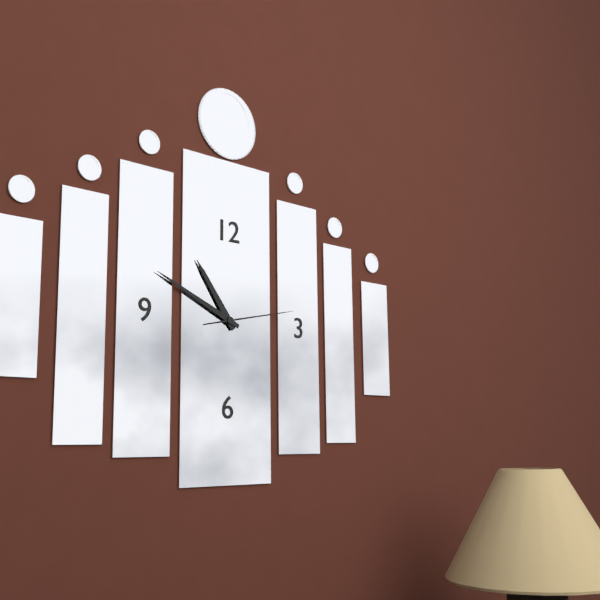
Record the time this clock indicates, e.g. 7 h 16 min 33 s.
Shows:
10 h 49 min 13 s
